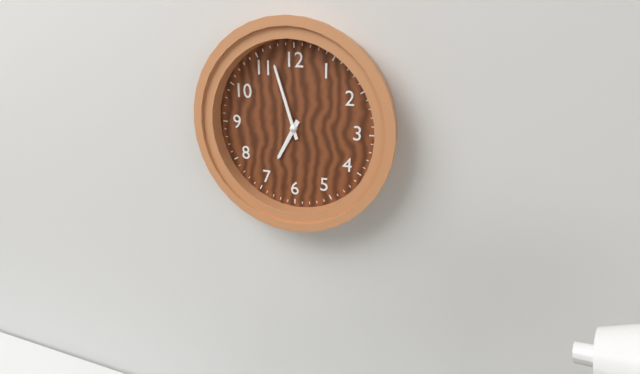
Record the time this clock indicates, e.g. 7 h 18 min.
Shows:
6 h 57 min
